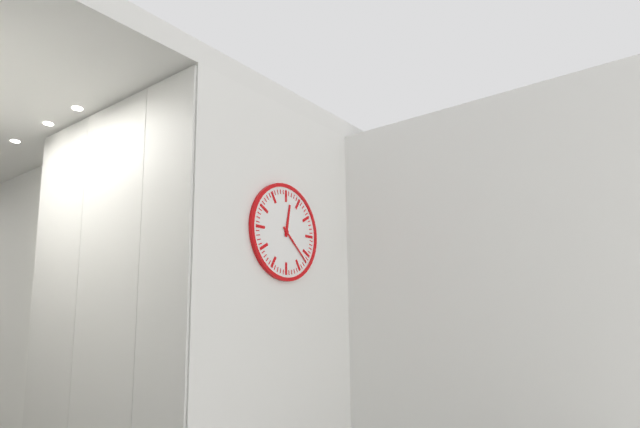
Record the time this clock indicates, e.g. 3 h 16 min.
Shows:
12 h 22 min
